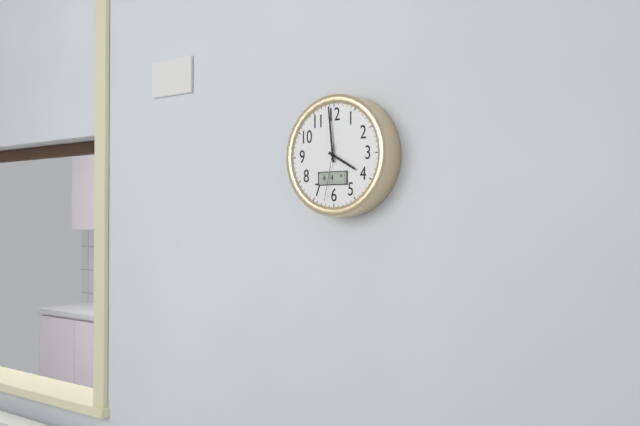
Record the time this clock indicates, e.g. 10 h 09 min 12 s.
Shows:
3 h 59 min 32 s
